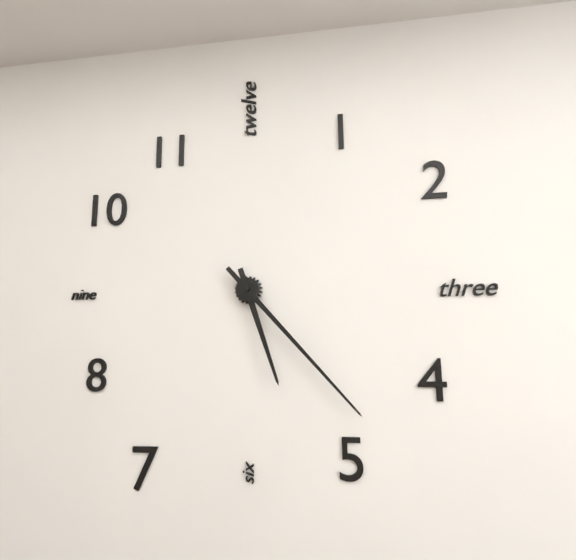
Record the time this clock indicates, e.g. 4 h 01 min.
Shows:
5 h 23 min
